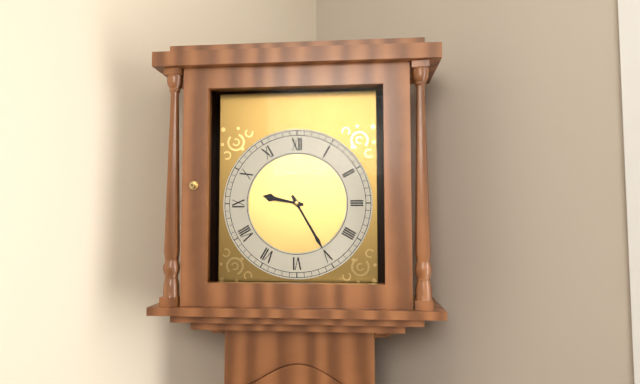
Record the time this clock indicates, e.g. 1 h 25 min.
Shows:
9 h 25 min
